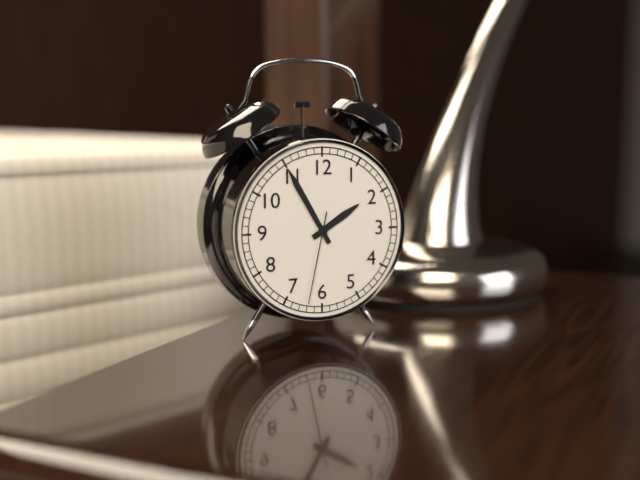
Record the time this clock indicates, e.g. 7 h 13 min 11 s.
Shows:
1 h 55 min 32 s
